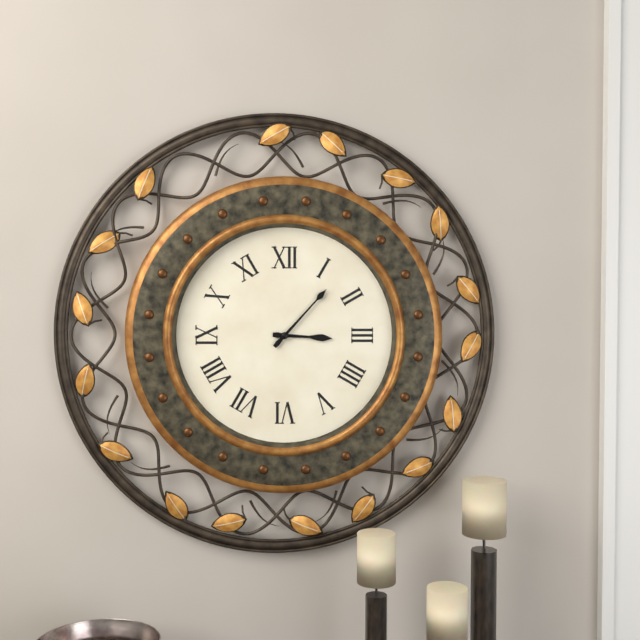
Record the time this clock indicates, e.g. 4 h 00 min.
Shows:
3 h 07 min
